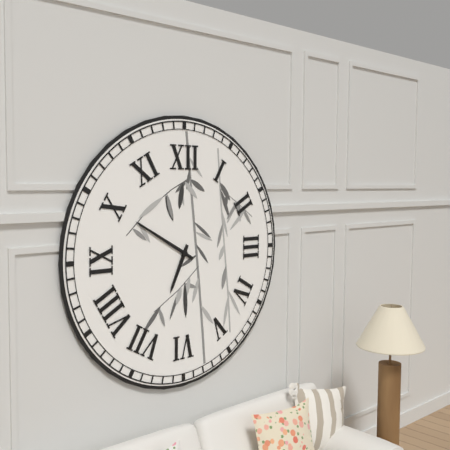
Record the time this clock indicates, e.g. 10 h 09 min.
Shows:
6 h 50 min
